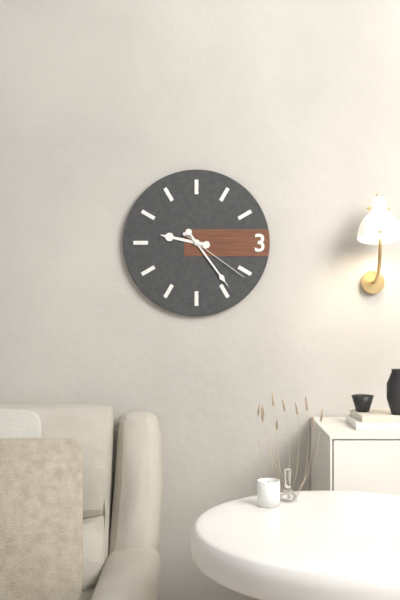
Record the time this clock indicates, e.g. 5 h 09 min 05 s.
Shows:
9 h 24 min 21 s
